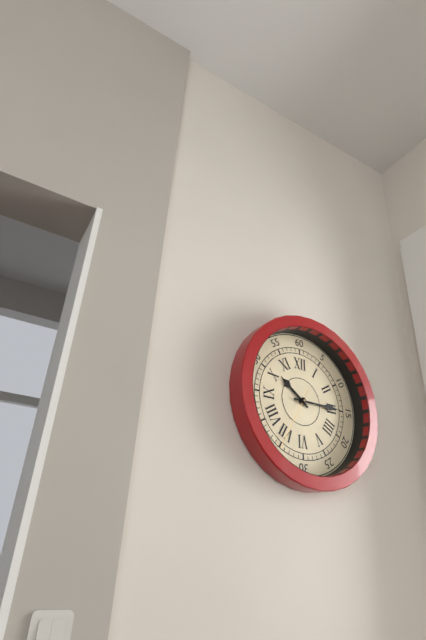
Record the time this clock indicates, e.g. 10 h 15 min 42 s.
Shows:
10 h 15 min 35 s
